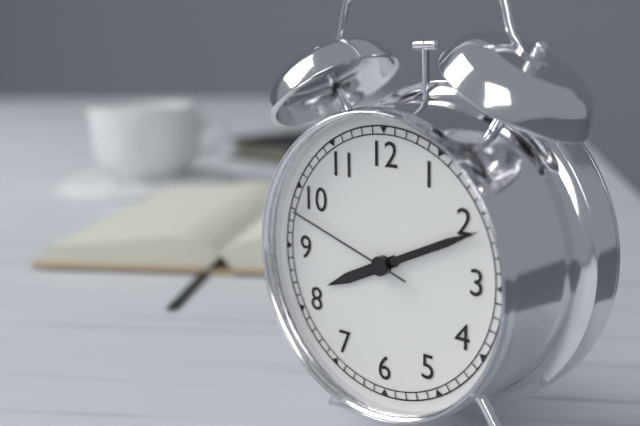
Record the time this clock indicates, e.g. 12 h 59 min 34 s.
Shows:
8 h 11 min 48 s
